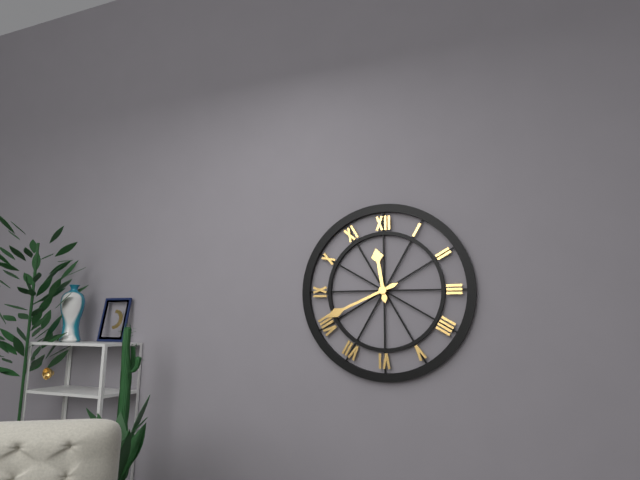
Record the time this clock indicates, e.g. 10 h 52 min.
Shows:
11 h 41 min
